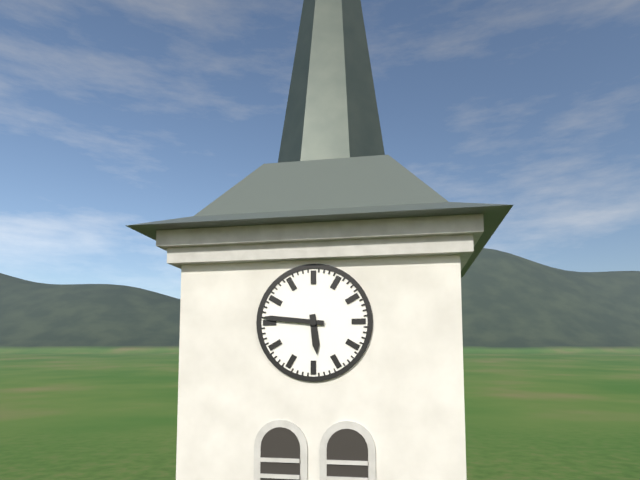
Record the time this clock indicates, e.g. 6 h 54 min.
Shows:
5 h 46 min
